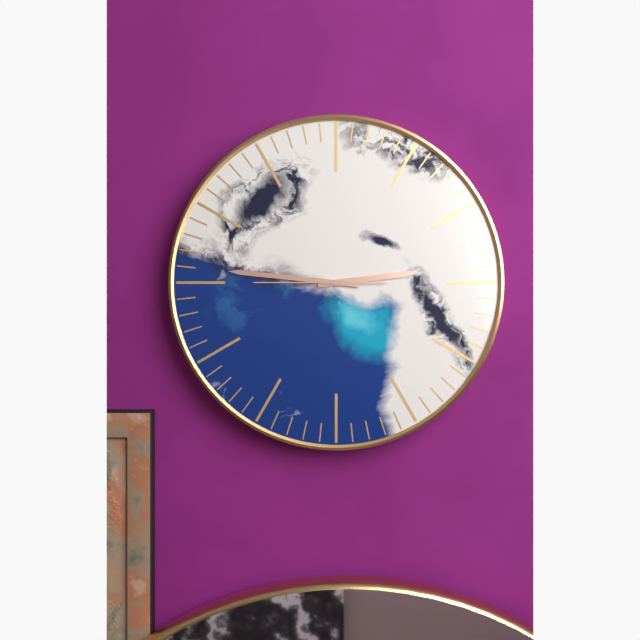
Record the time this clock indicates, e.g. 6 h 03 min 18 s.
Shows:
2 h 46 min 45 s
